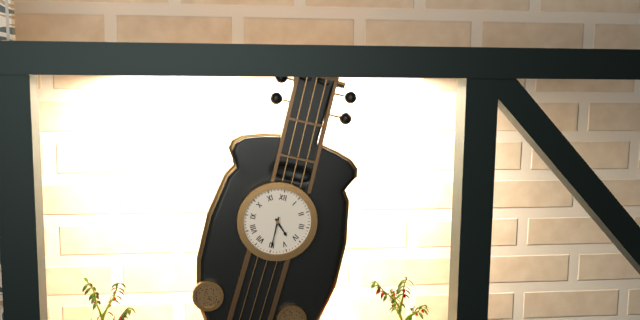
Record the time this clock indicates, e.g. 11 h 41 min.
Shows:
4 h 30 min
